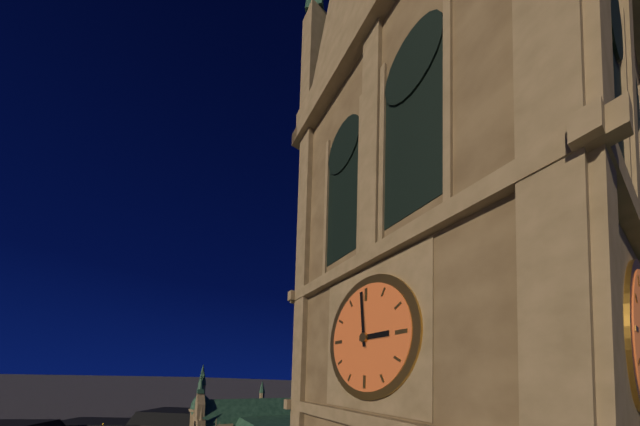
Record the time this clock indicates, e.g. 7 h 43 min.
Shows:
2 h 59 min
